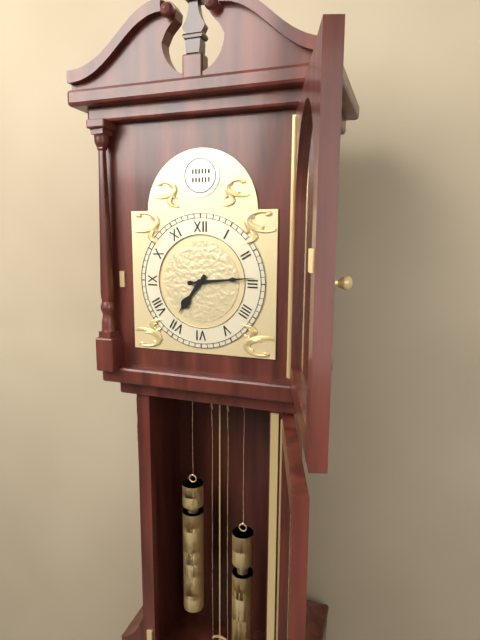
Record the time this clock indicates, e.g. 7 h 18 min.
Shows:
7 h 14 min
